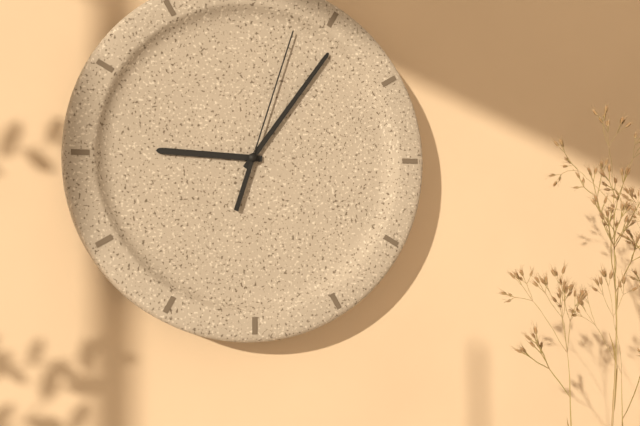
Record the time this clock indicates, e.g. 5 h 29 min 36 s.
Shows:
9 h 06 min 03 s
